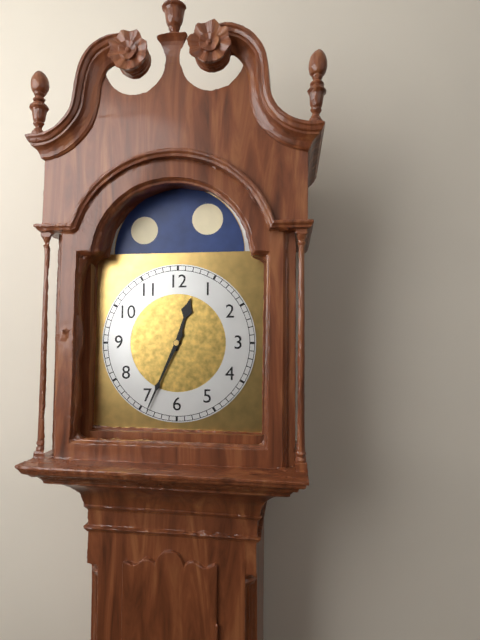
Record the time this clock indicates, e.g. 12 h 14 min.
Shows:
12 h 34 min
